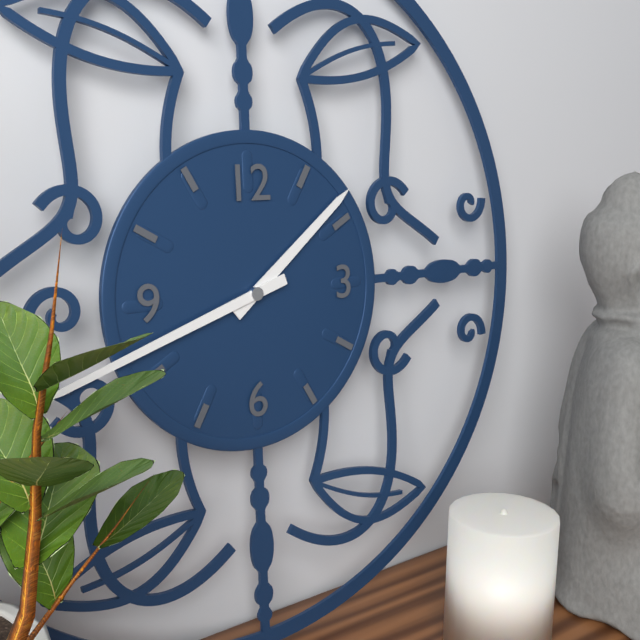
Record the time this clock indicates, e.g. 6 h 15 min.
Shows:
1 h 42 min
